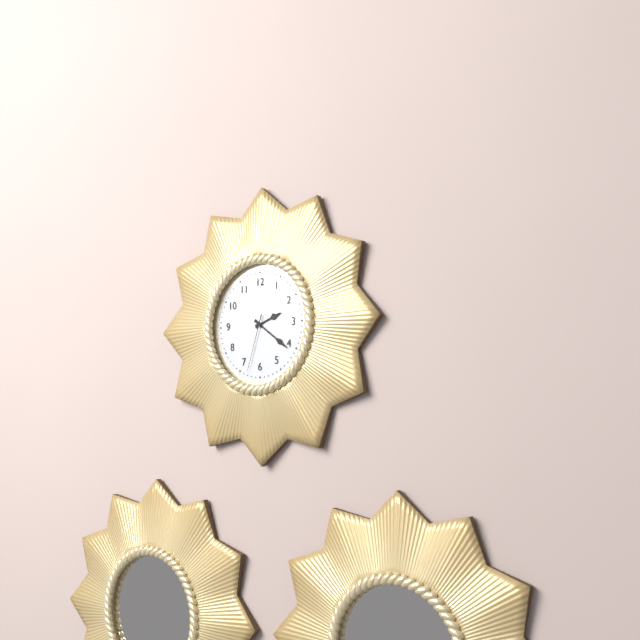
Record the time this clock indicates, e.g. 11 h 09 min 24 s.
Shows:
2 h 21 min 33 s
